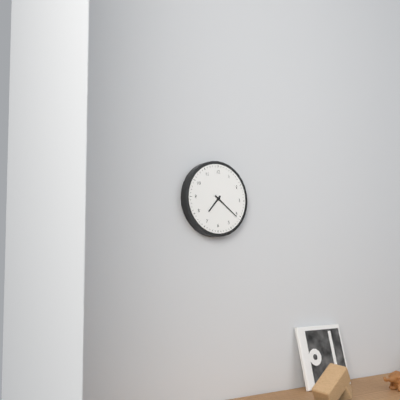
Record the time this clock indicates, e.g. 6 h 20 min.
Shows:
7 h 21 min
